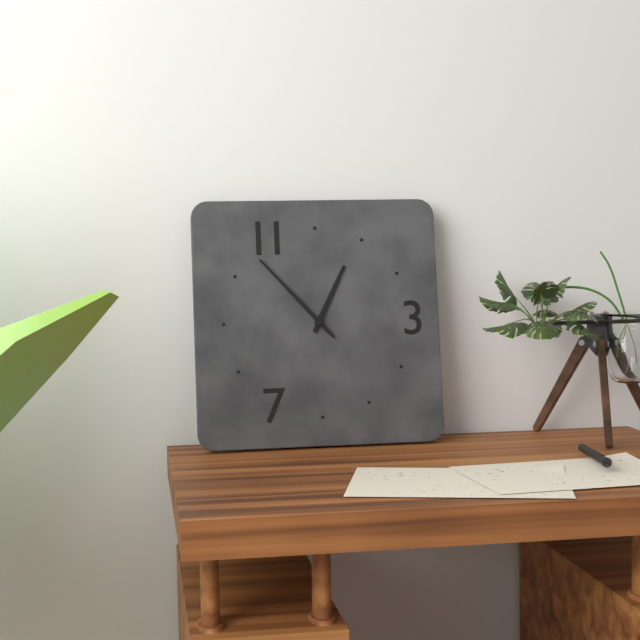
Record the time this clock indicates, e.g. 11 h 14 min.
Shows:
12 h 53 min
